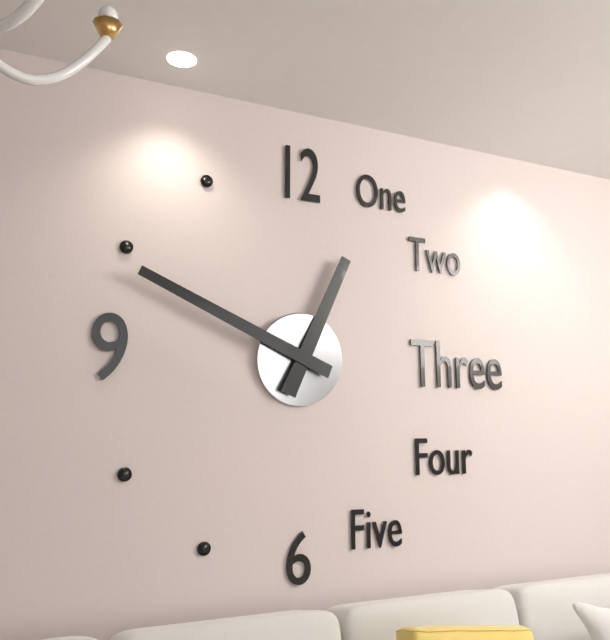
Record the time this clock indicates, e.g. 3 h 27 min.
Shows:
12 h 49 min
